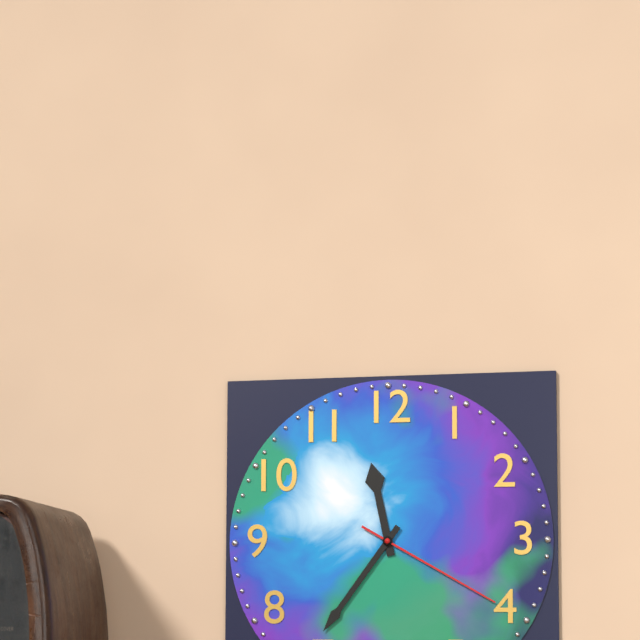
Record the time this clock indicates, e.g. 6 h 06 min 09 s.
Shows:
11 h 36 min 20 s
